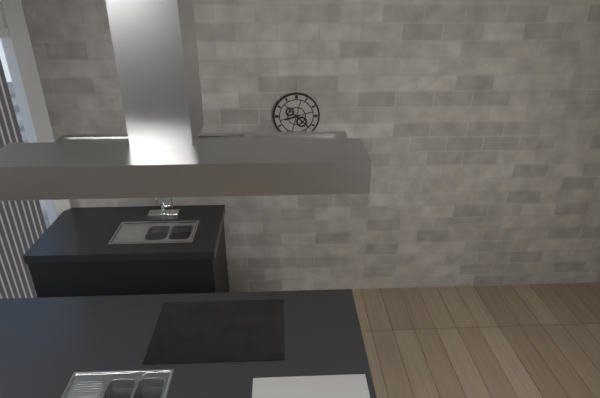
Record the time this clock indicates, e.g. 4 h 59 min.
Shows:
8 h 22 min
